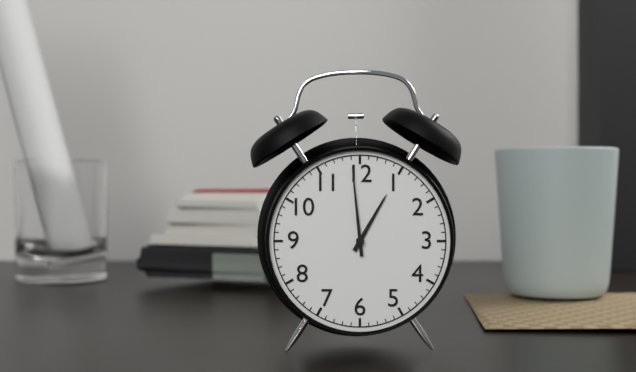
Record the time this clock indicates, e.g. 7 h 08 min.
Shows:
12 h 59 min
